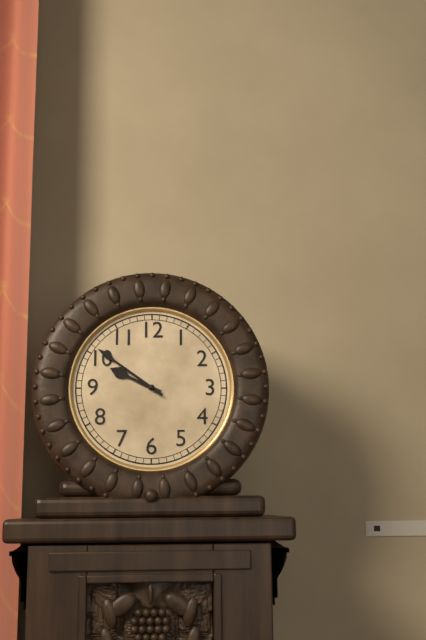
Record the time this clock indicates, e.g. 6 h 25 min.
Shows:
9 h 51 min
